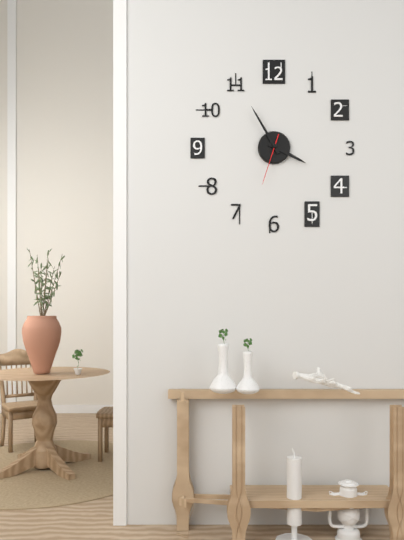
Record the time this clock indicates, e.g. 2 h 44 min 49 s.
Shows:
3 h 55 min 33 s
